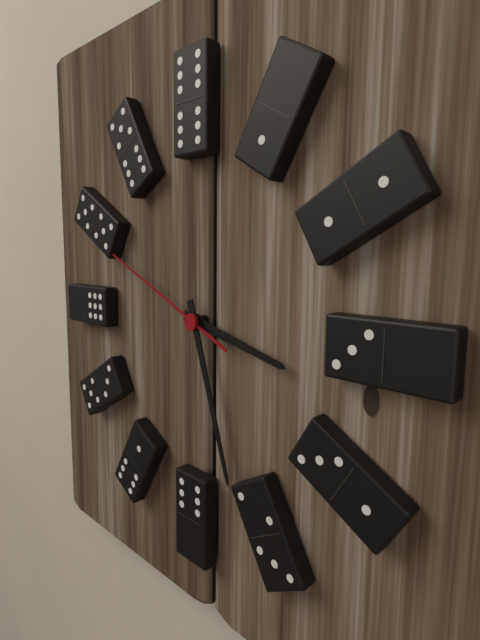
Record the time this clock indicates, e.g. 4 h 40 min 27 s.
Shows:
3 h 27 min 49 s
